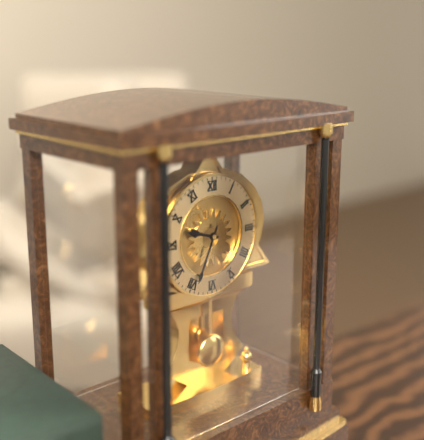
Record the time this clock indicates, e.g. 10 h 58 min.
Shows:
9 h 34 min
